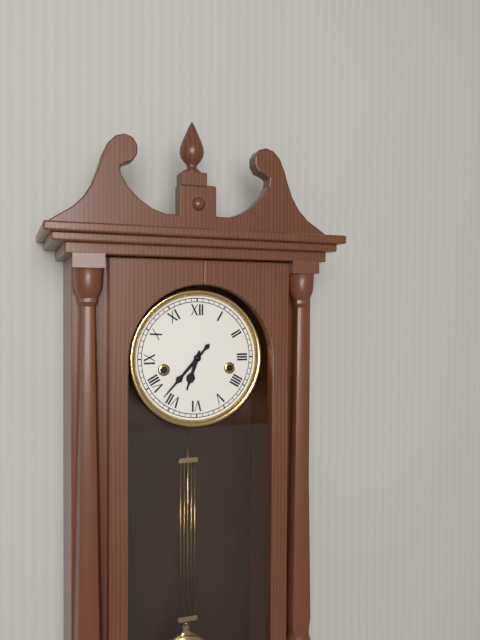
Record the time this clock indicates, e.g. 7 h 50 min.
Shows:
6 h 37 min
